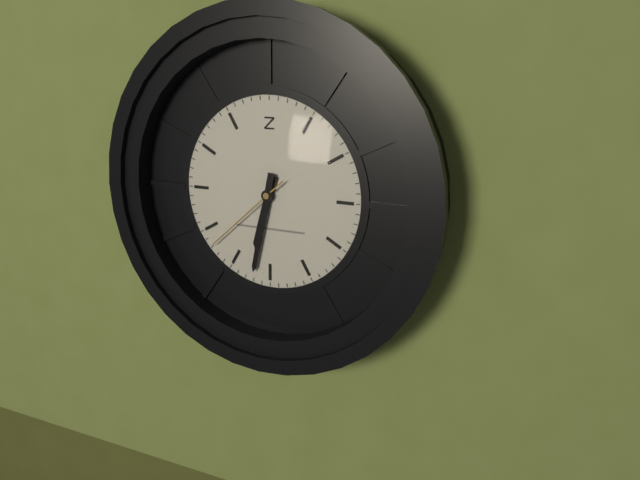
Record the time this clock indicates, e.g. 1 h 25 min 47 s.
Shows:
6 h 32 min 38 s
